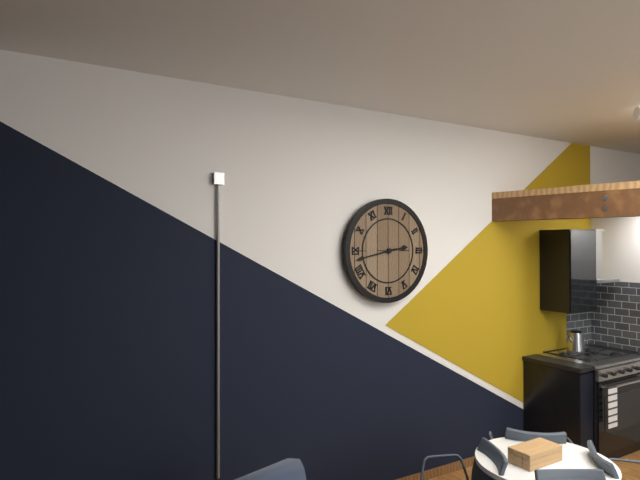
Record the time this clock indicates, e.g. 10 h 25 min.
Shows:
2 h 43 min
